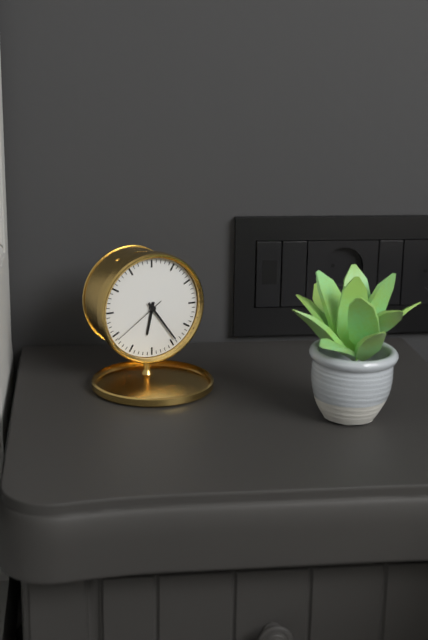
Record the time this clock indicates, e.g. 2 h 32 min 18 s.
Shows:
6 h 24 min 39 s
